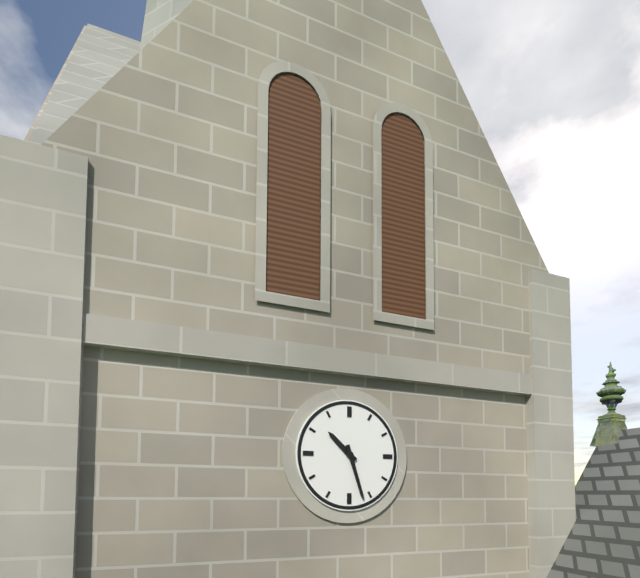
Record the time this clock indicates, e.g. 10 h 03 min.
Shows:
10 h 27 min
